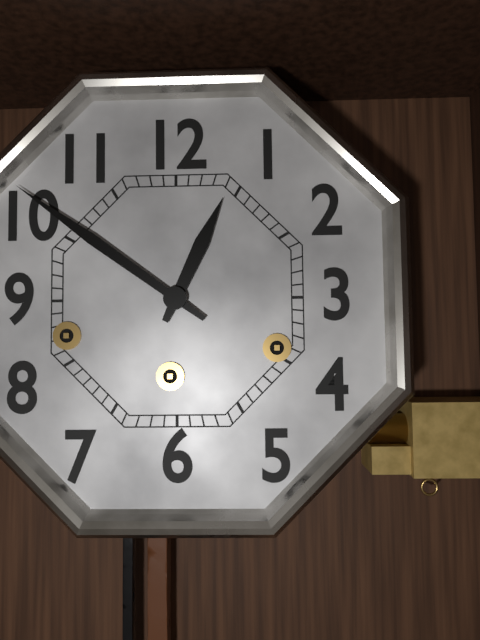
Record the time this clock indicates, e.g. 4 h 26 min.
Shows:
12 h 51 min
